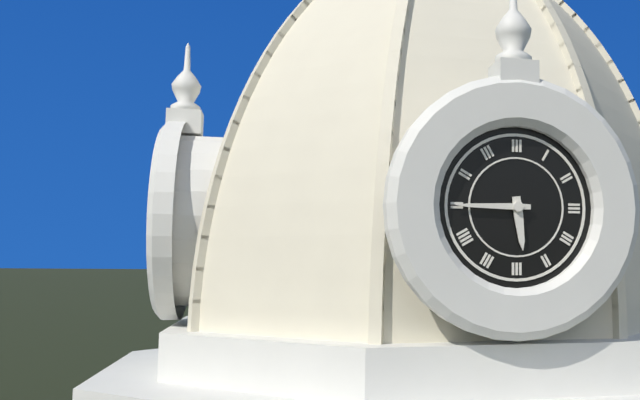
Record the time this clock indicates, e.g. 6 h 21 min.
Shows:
5 h 45 min
